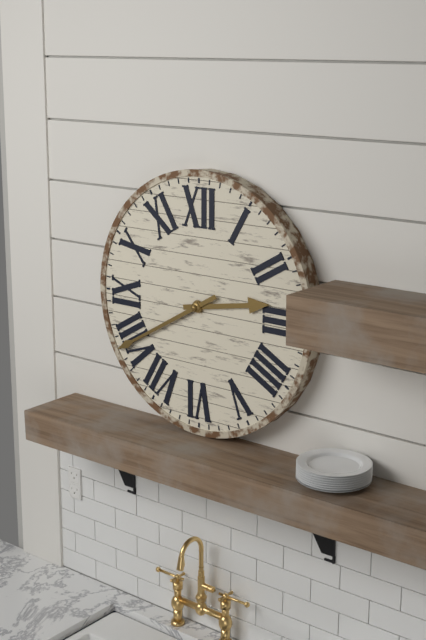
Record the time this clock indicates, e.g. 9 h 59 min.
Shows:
2 h 40 min
